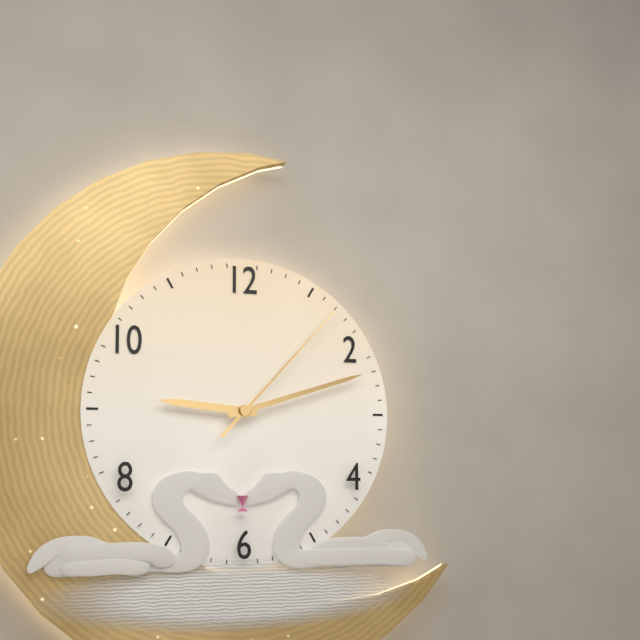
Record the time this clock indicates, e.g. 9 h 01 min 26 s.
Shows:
9 h 12 min 07 s
